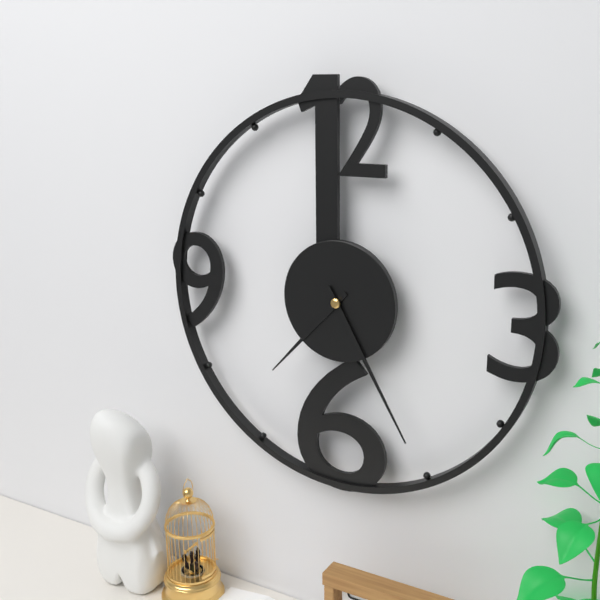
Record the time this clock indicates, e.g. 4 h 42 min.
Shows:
7 h 25 min
